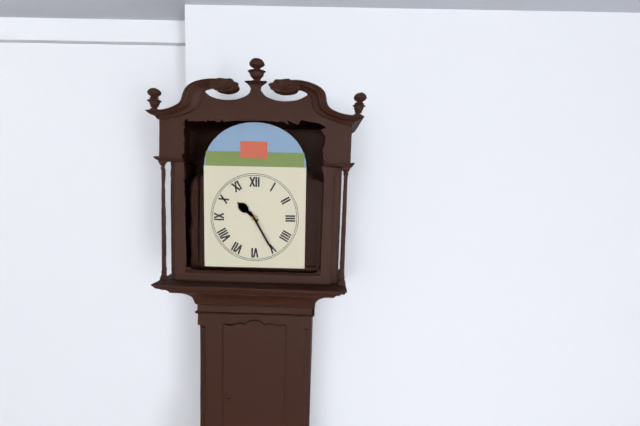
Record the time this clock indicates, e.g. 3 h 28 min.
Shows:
10 h 25 min
